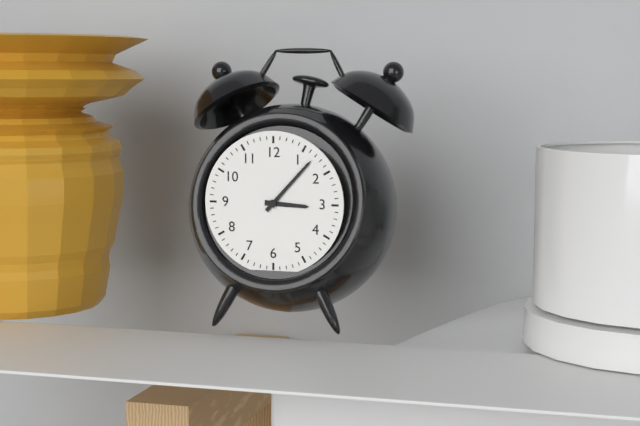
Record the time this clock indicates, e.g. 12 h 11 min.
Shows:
3 h 07 min
